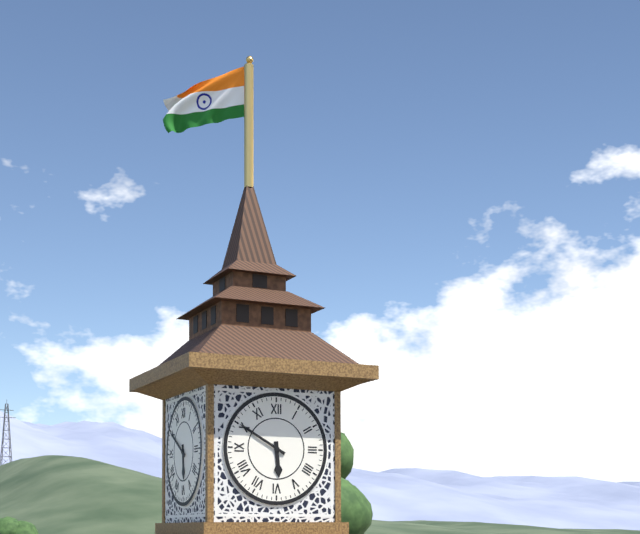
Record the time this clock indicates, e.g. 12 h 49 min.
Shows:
5 h 50 min
